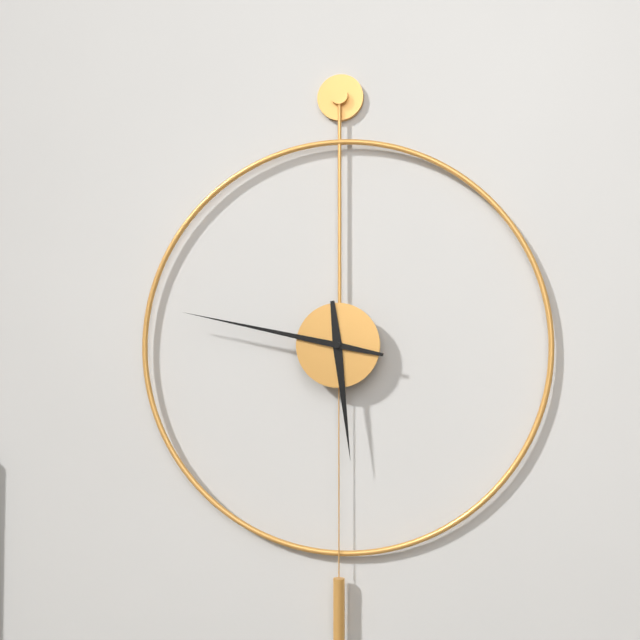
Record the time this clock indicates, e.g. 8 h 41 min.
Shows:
5 h 47 min
